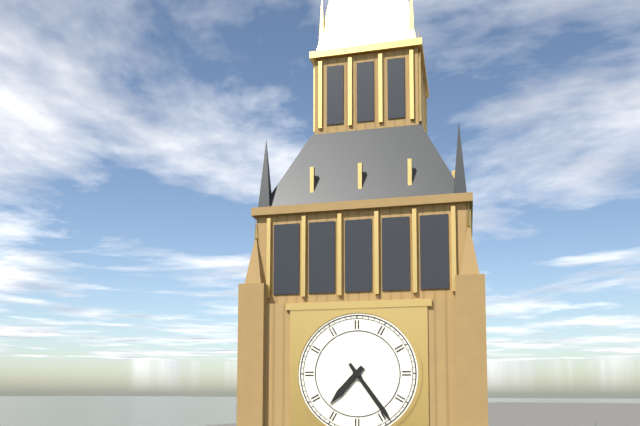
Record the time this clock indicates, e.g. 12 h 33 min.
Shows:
7 h 24 min
